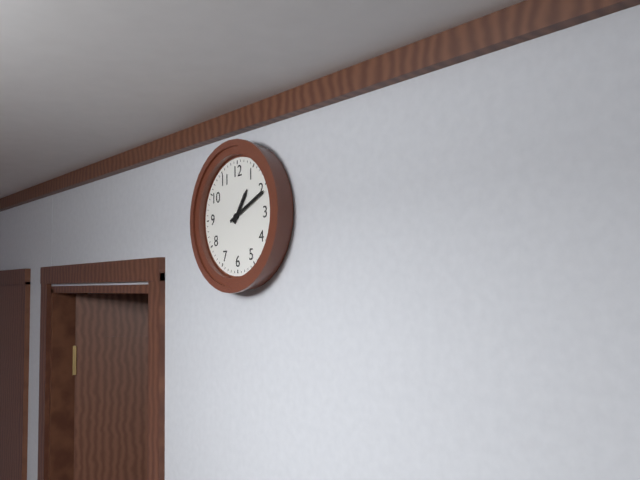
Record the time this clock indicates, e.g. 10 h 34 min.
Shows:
1 h 11 min
